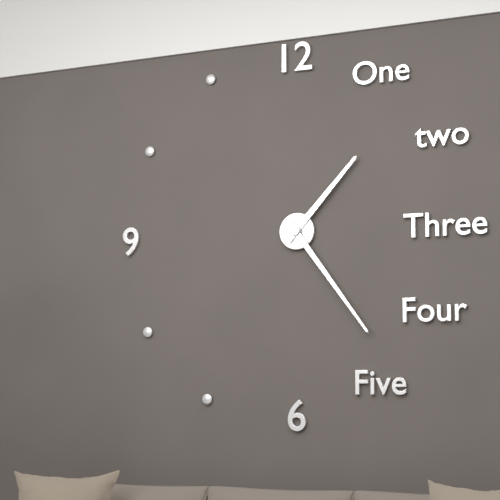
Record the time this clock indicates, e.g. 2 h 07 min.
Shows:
1 h 24 min
